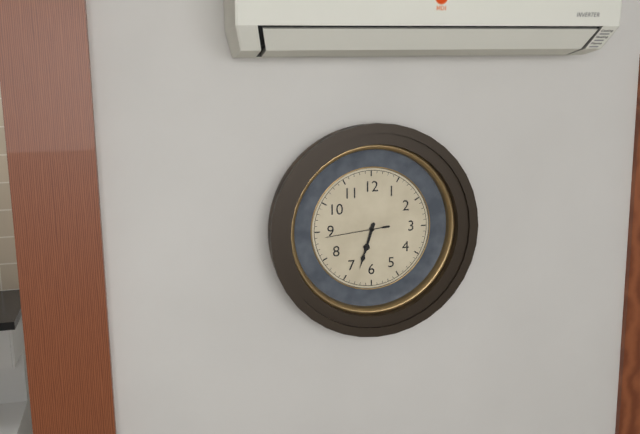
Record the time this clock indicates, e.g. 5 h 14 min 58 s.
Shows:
6 h 33 min 44 s
